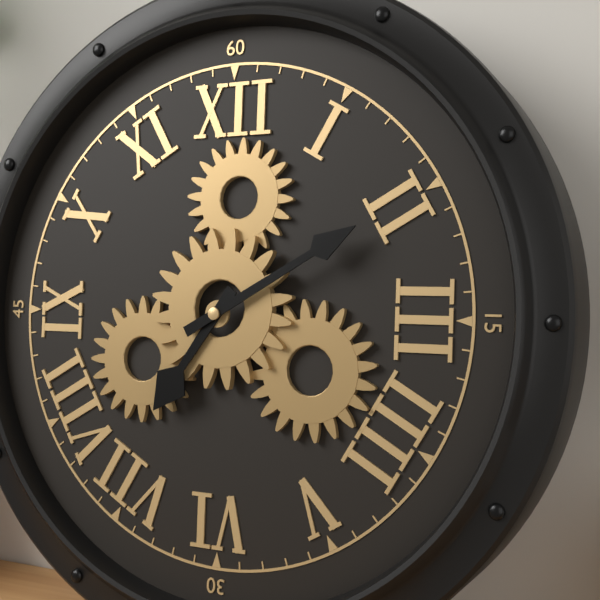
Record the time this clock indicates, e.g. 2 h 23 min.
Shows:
7 h 10 min
